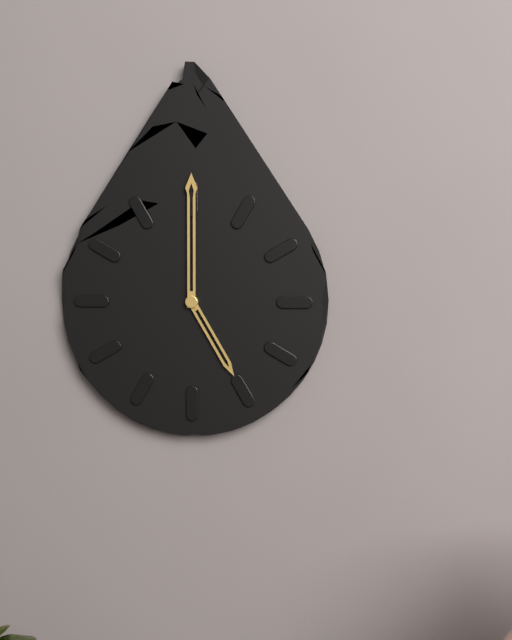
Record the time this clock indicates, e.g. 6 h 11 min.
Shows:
5 h 00 min
